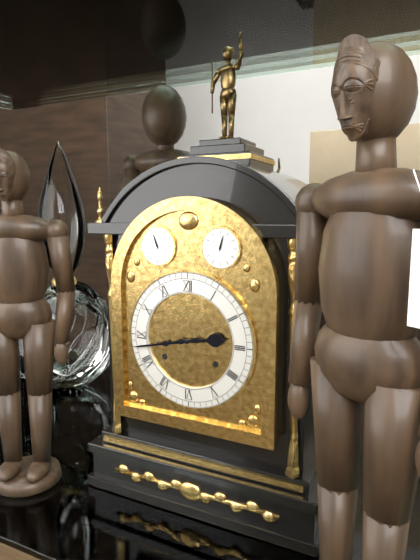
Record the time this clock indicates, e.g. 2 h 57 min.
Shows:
2 h 43 min
